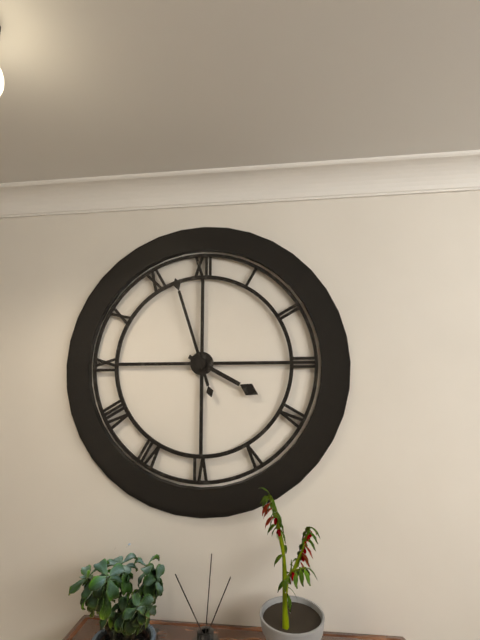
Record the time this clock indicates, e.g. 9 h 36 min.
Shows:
3 h 57 min
